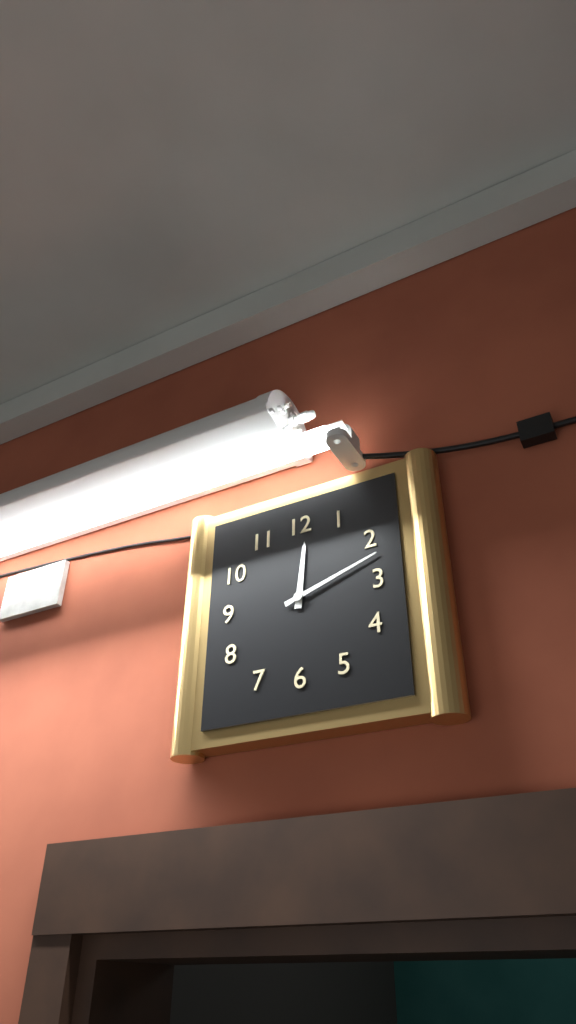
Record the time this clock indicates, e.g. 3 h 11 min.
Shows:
12 h 12 min
